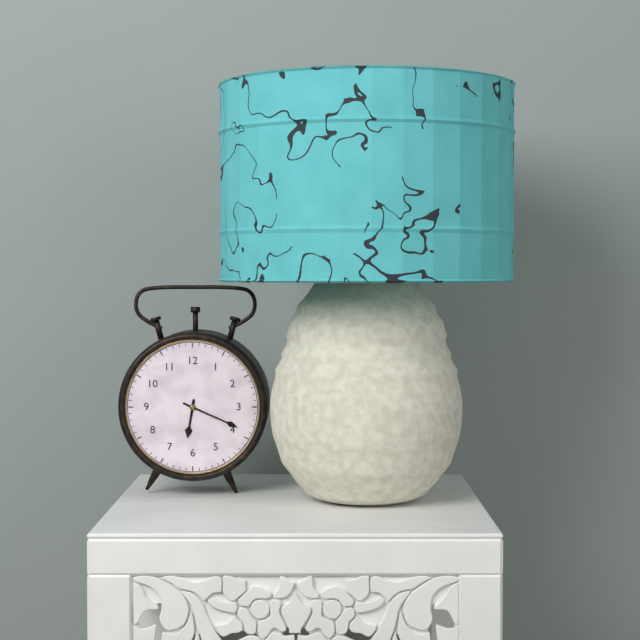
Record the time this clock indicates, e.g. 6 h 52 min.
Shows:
6 h 19 min
